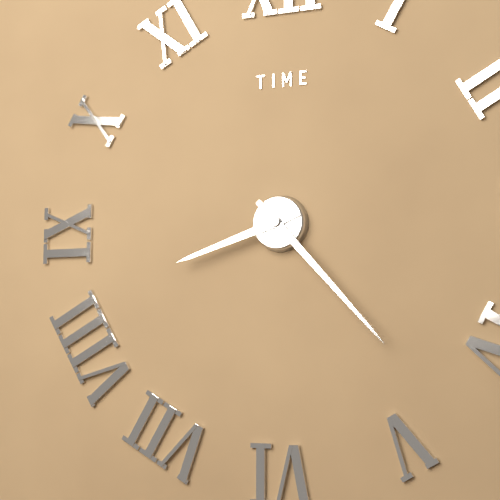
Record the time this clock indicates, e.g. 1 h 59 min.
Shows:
8 h 23 min
